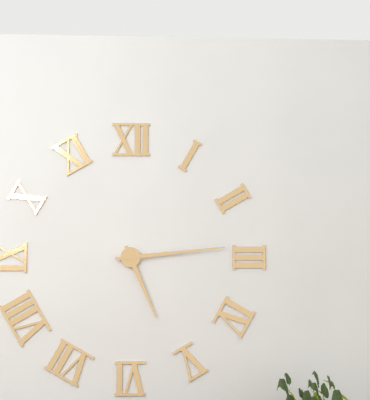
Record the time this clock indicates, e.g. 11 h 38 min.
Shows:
5 h 14 min
